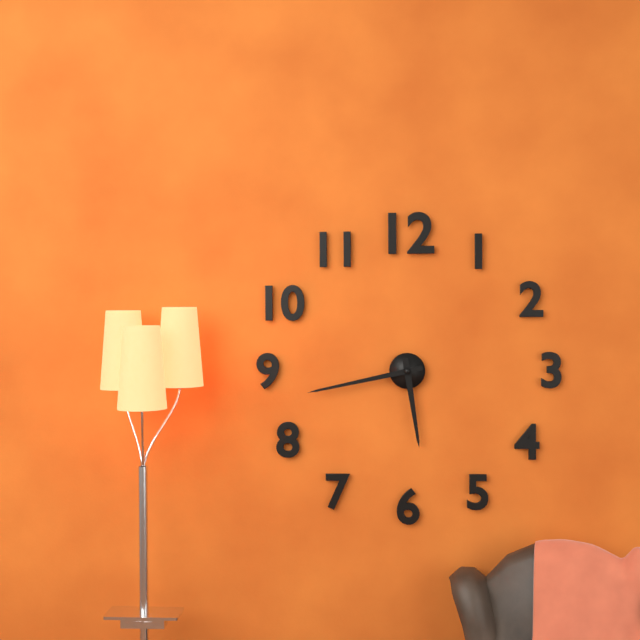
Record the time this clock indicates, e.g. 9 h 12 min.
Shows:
5 h 43 min
